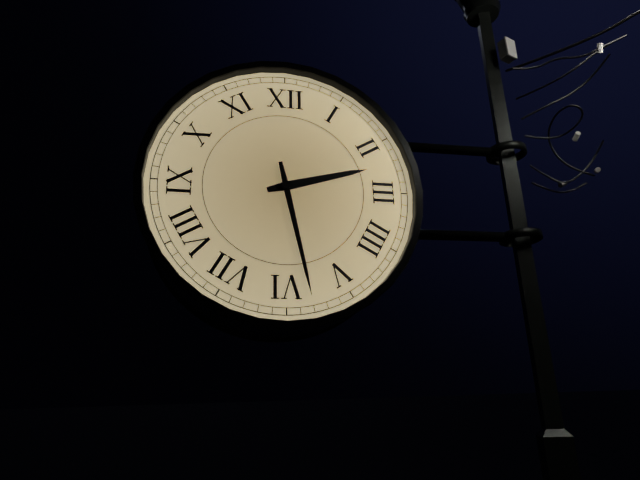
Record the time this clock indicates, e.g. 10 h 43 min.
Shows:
2 h 28 min
